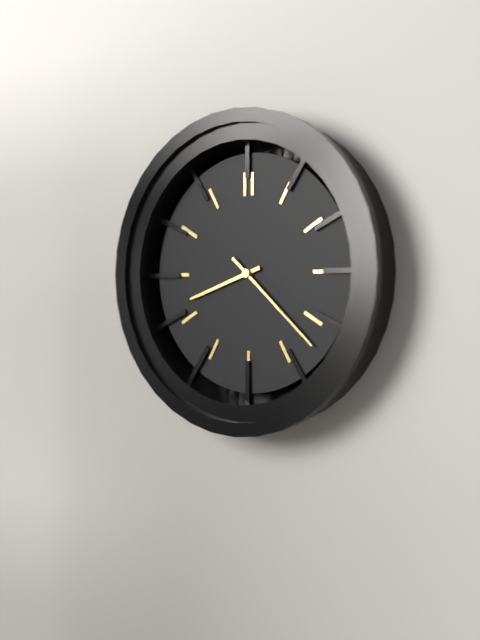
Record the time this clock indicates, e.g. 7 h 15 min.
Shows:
8 h 22 min
